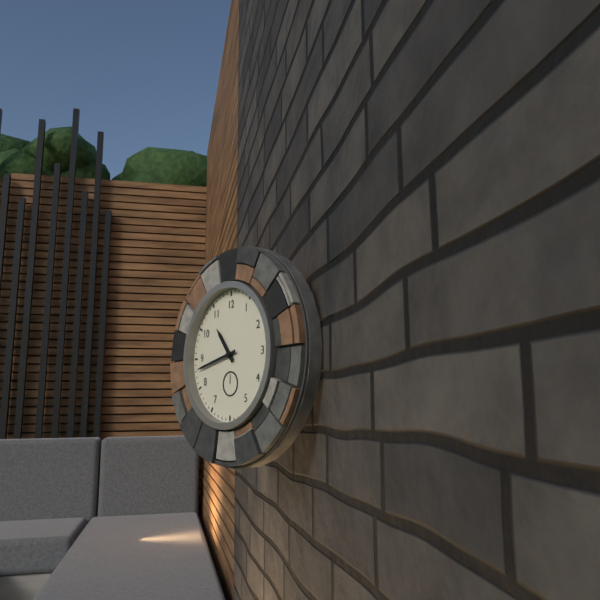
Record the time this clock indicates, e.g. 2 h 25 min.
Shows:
10 h 43 min
